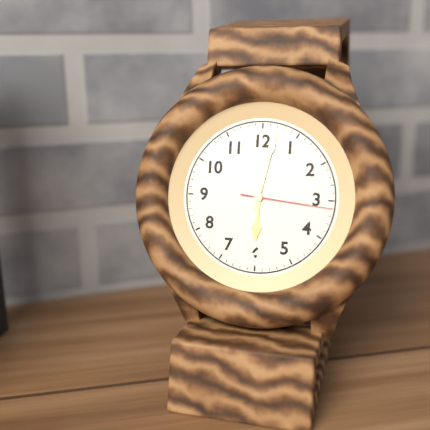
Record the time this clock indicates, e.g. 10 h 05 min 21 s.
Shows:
6 h 02 min 16 s
